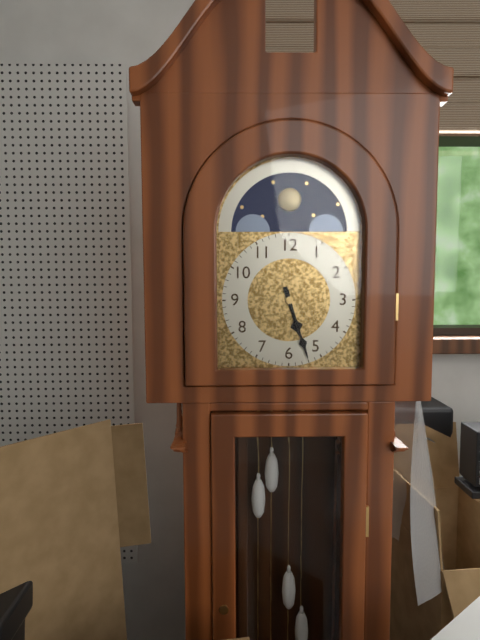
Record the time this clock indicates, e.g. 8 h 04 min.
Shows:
5 h 27 min
